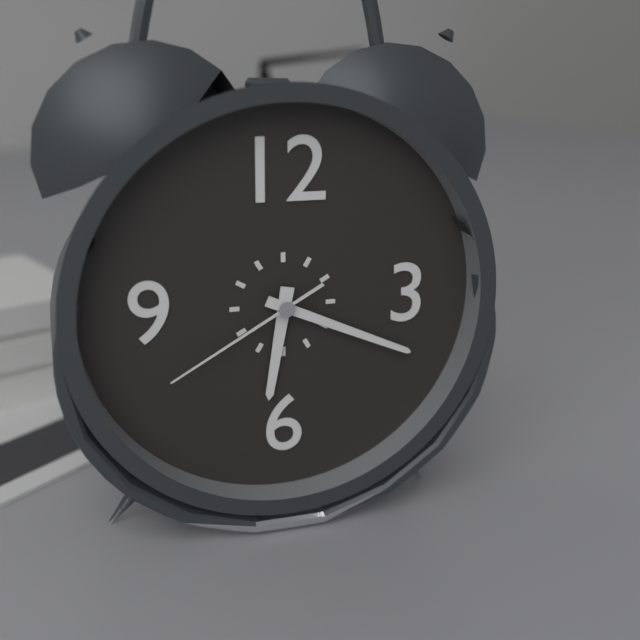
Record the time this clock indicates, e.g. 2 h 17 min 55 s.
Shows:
6 h 19 min 40 s
